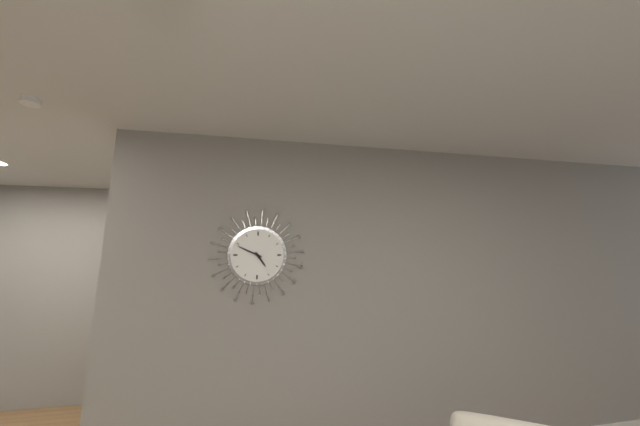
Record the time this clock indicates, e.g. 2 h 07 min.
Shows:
4 h 49 min
